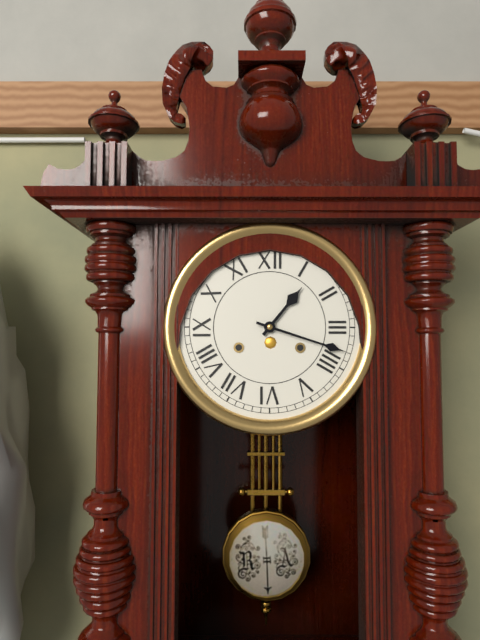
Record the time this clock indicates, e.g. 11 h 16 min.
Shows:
1 h 18 min
